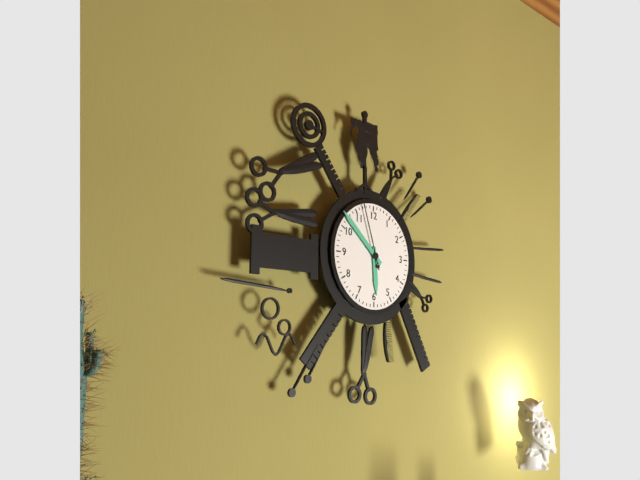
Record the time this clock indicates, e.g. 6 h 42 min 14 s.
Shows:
5 h 52 min 57 s
